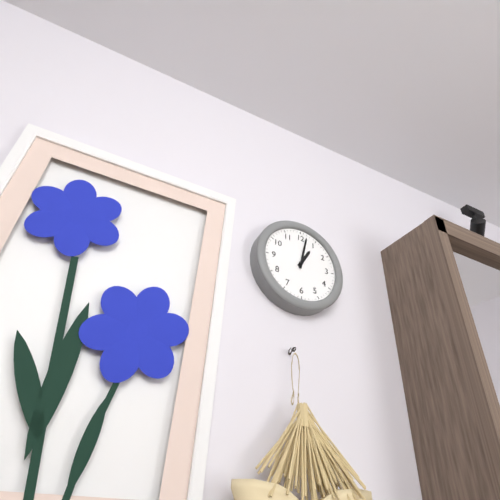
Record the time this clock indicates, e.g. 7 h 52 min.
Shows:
1 h 02 min
